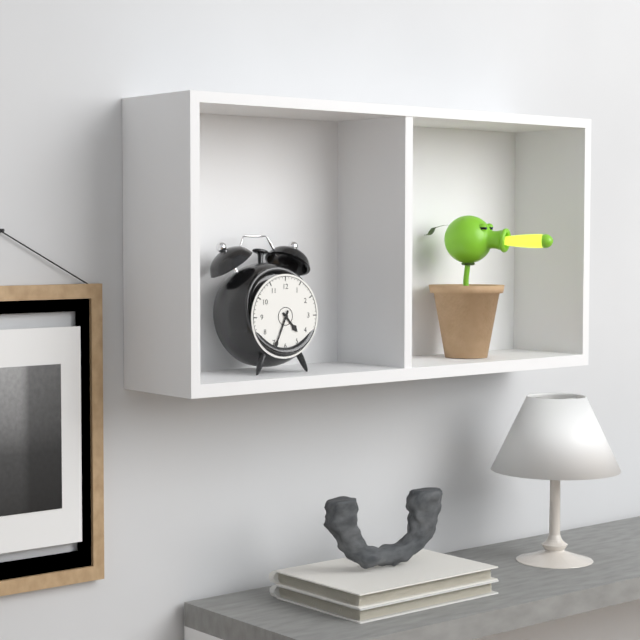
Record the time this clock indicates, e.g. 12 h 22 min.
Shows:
4 h 34 min
